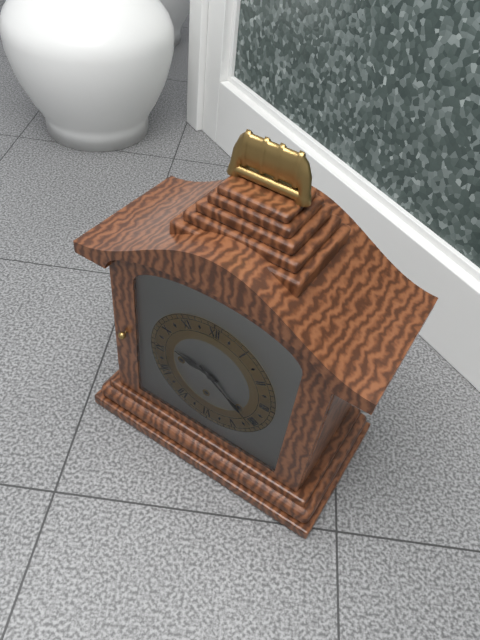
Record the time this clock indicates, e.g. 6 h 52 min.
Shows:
9 h 21 min
